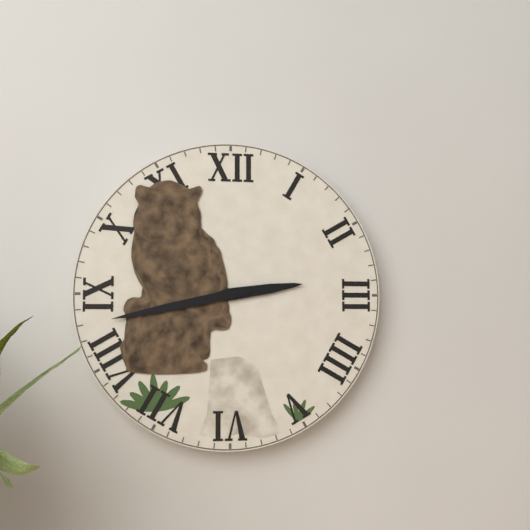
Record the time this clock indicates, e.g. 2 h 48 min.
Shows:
2 h 43 min
